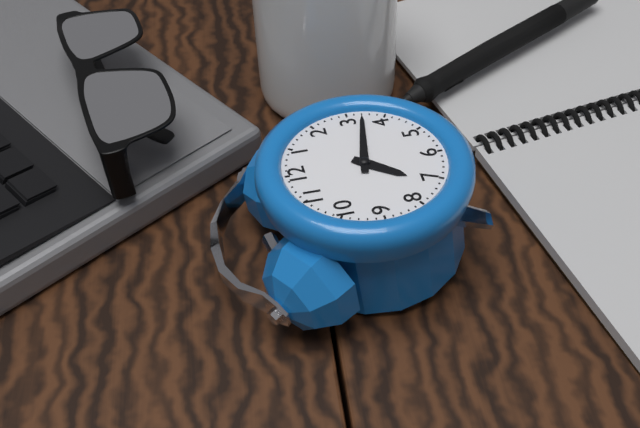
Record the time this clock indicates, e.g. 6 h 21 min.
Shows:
7 h 17 min
